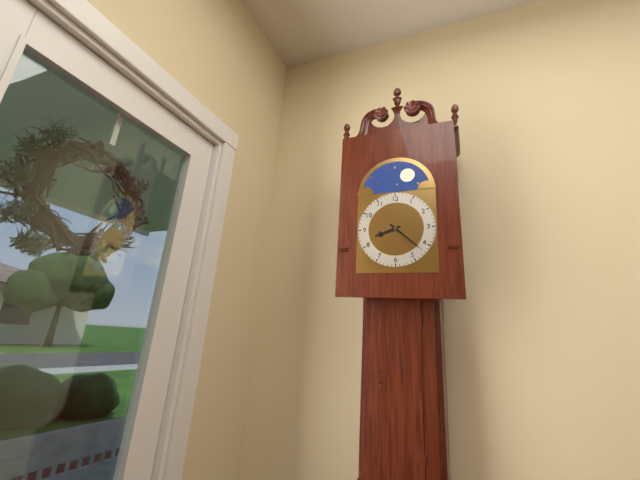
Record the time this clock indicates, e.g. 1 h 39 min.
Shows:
8 h 22 min
